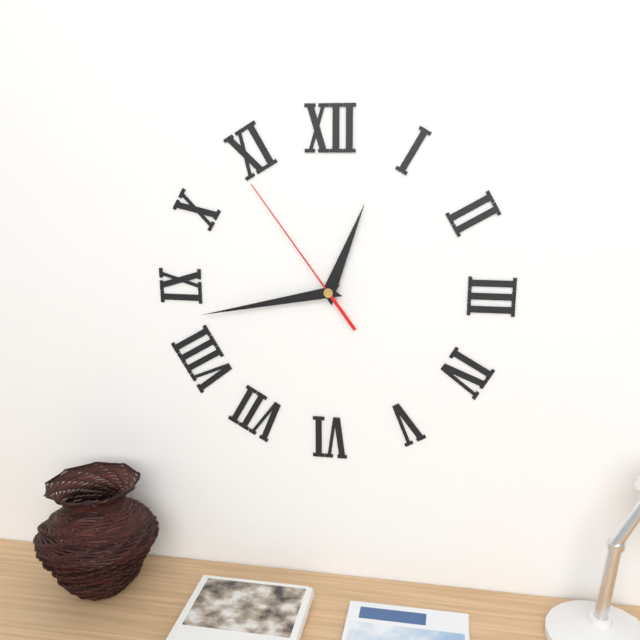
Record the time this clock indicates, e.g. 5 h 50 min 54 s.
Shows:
12 h 43 min 54 s
